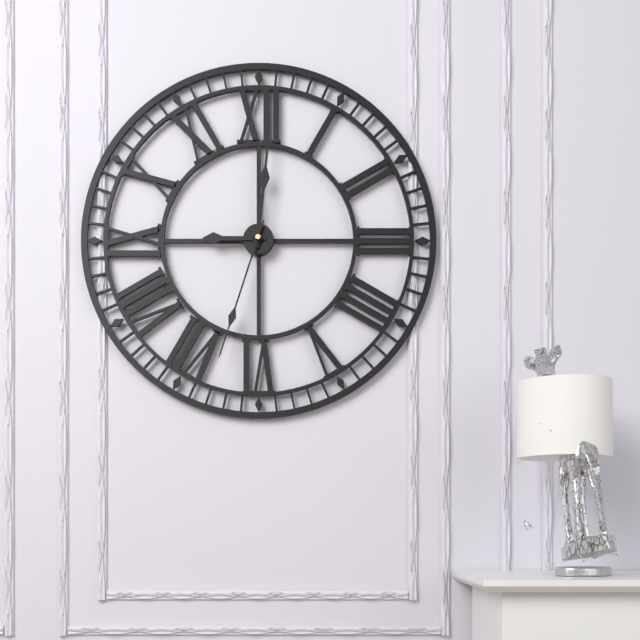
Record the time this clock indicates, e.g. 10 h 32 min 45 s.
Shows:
9 h 01 min 33 s
